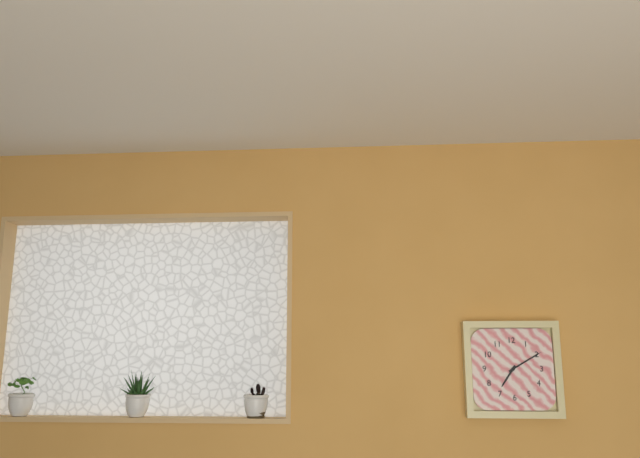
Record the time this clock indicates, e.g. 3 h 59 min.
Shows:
7 h 10 min
